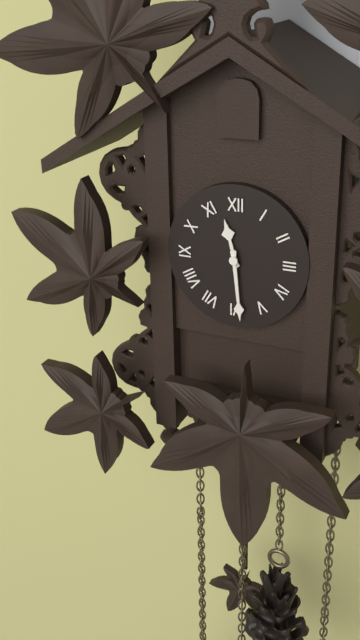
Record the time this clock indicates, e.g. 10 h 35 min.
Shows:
11 h 29 min
